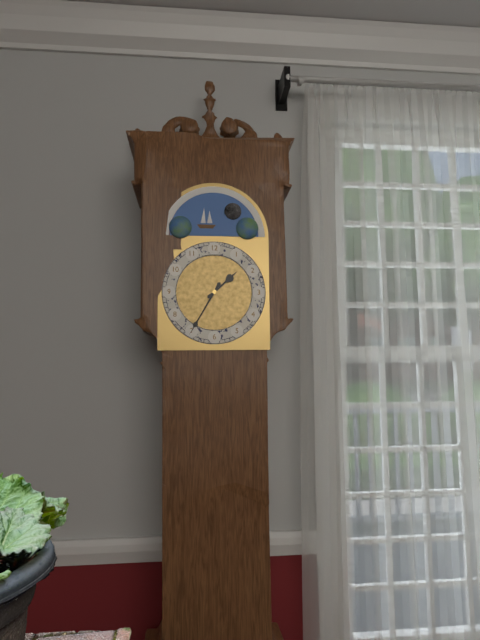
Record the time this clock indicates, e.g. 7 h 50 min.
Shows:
1 h 35 min
